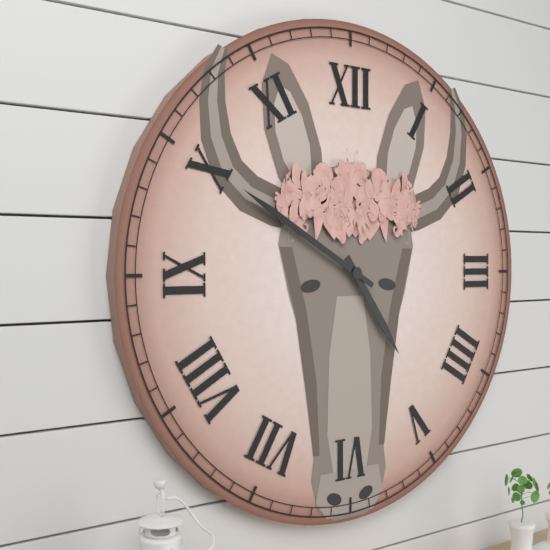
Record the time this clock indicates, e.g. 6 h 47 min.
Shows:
4 h 50 min
